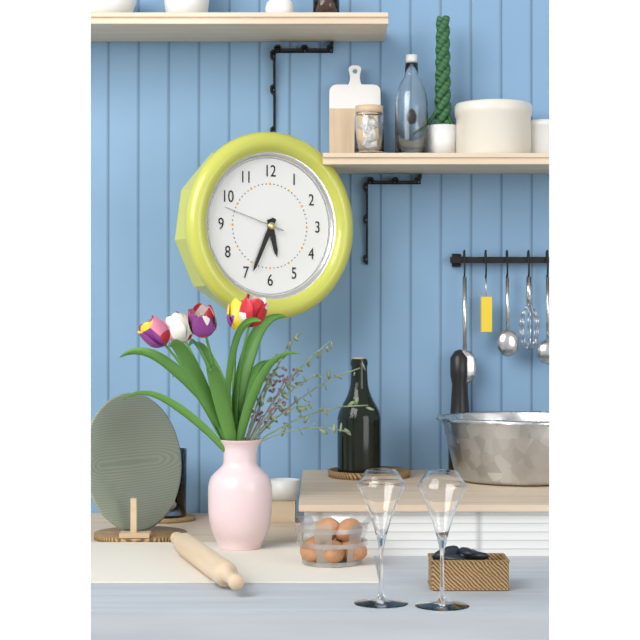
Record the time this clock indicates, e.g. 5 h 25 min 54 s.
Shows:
5 h 34 min 48 s
